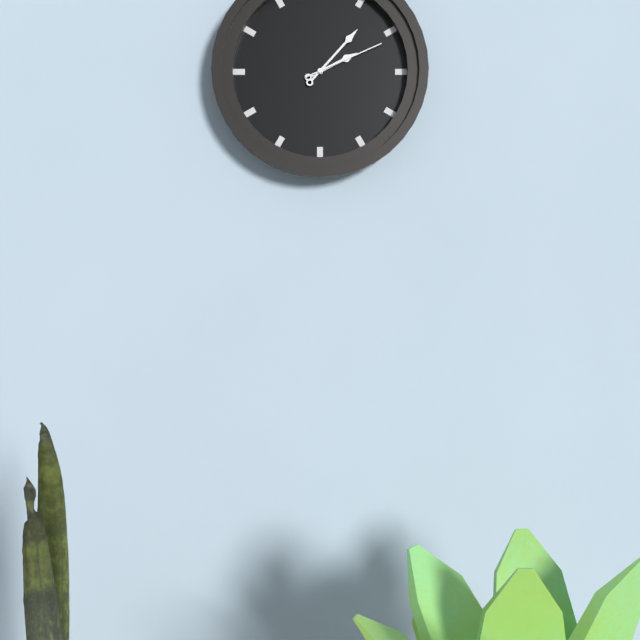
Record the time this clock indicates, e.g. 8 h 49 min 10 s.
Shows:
2 h 07 min 11 s
